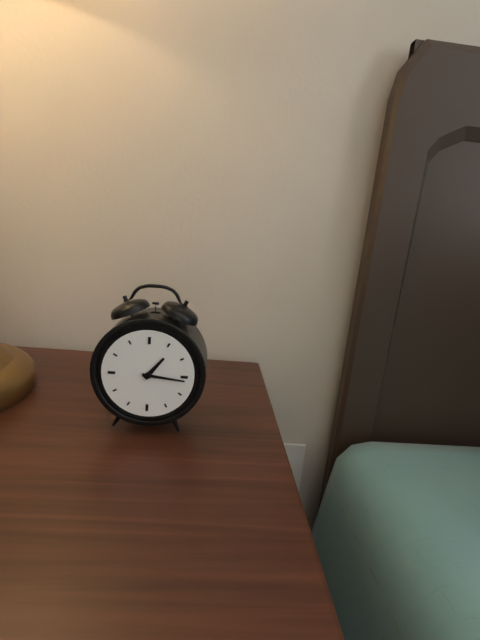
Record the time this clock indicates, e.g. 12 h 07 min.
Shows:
1 h 16 min
